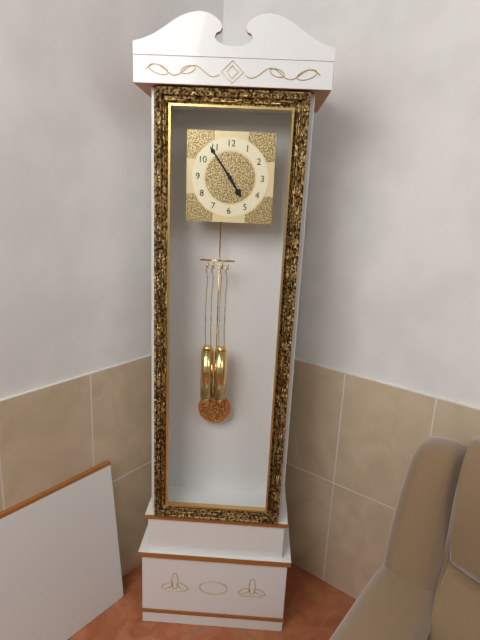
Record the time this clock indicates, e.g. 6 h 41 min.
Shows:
4 h 54 min
